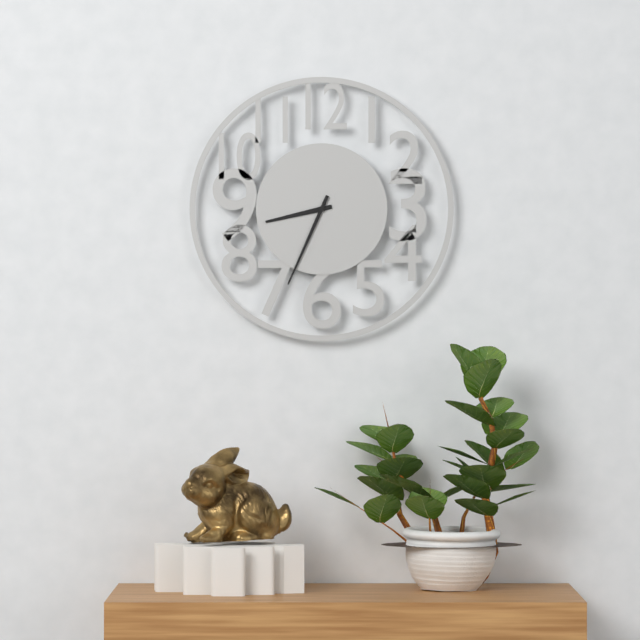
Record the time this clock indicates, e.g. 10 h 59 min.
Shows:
8 h 34 min
